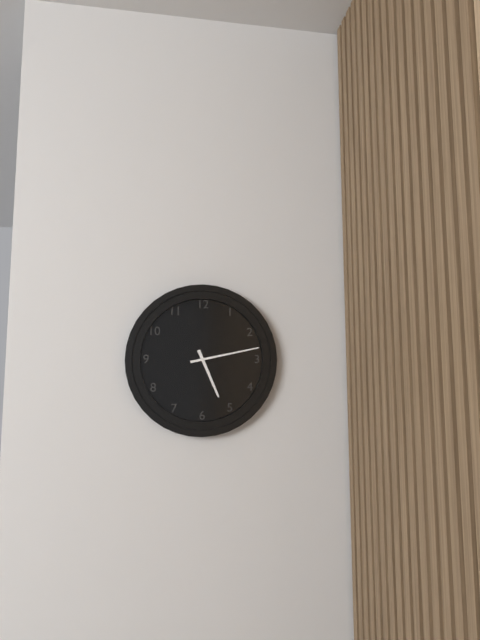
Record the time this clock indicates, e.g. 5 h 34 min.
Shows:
5 h 13 min
